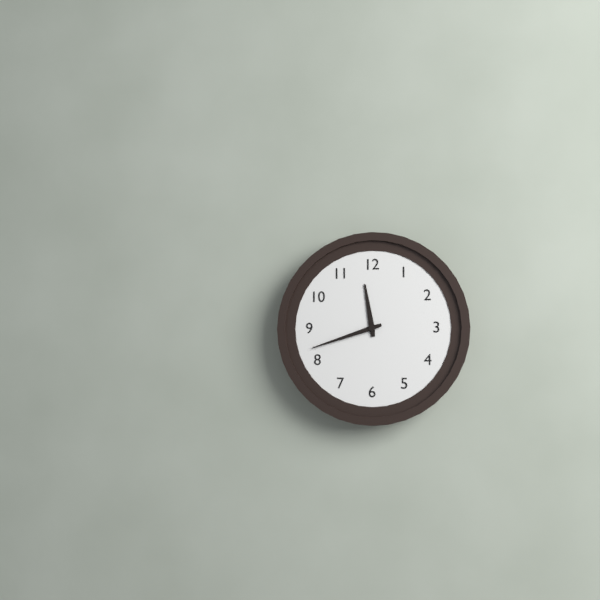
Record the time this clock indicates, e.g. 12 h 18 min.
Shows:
11 h 42 min
